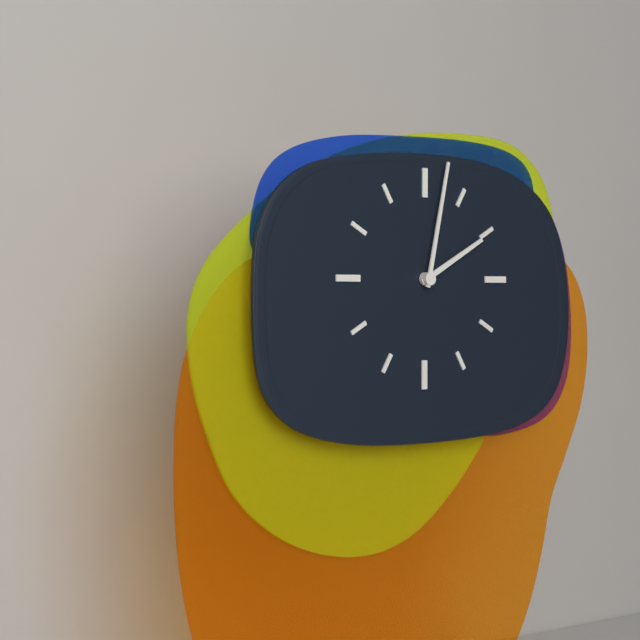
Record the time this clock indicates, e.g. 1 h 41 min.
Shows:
2 h 02 min
